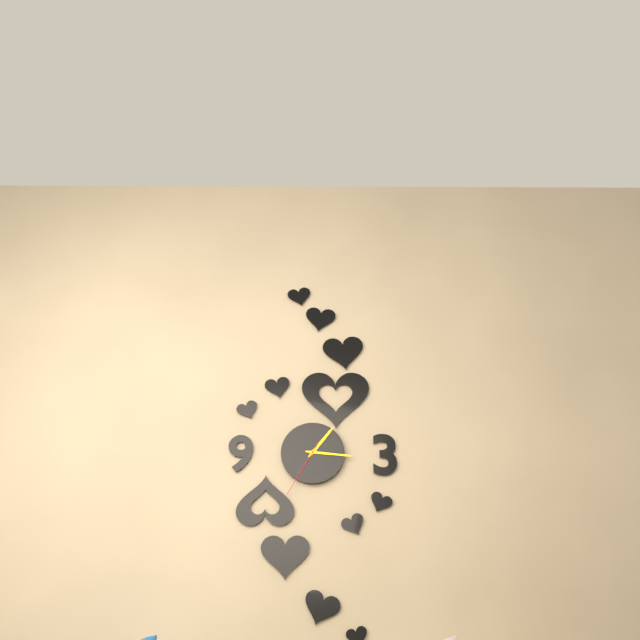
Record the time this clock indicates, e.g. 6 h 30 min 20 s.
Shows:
1 h 16 min 35 s
